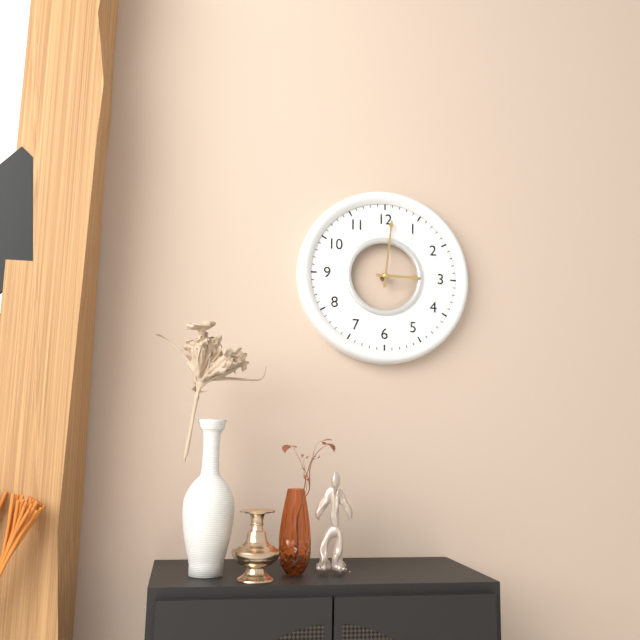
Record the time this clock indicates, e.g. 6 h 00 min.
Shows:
3 h 01 min
